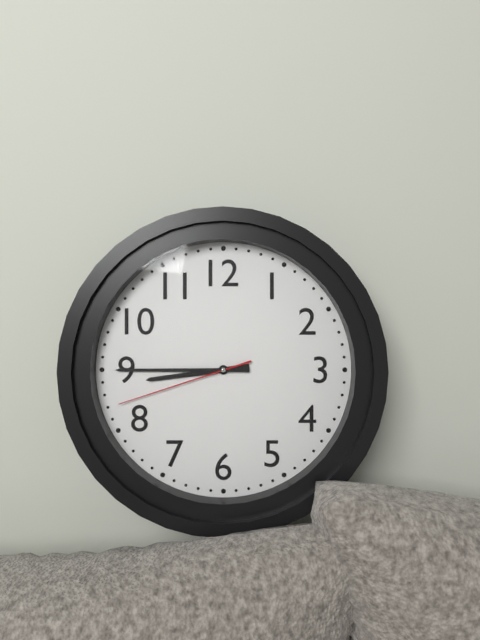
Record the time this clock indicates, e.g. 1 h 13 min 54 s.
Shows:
8 h 45 min 42 s
